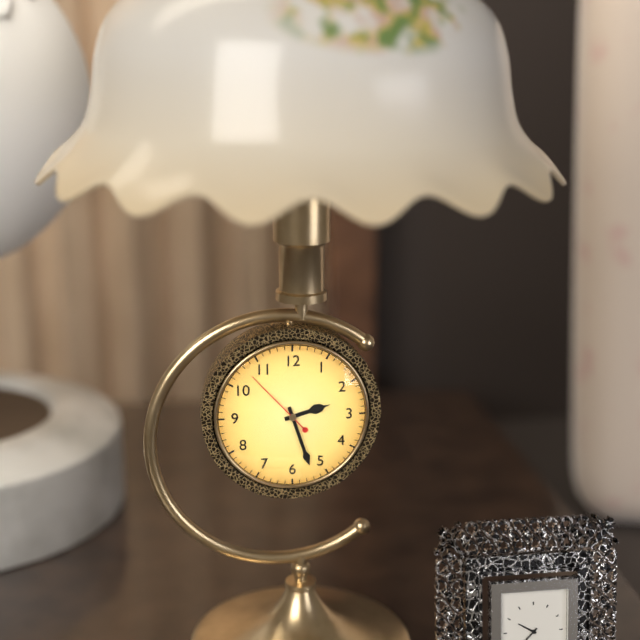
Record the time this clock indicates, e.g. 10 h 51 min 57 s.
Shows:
2 h 27 min 53 s
